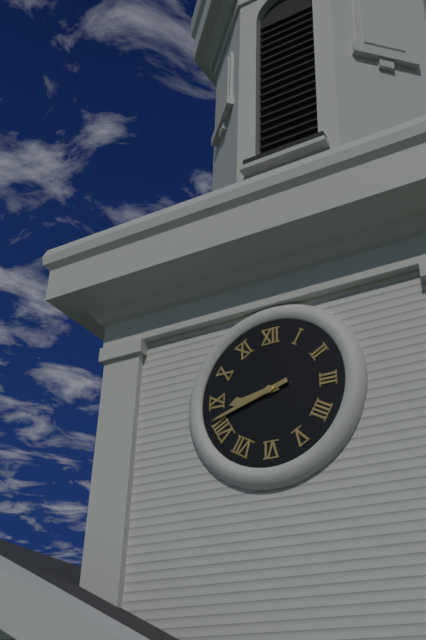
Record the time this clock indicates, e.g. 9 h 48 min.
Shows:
8 h 42 min
